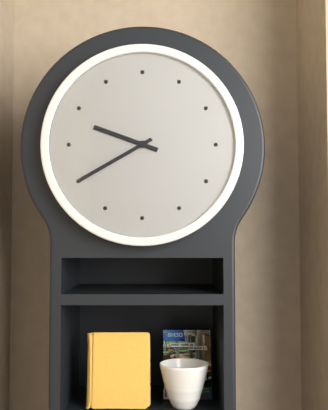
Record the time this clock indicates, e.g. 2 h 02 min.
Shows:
9 h 40 min
